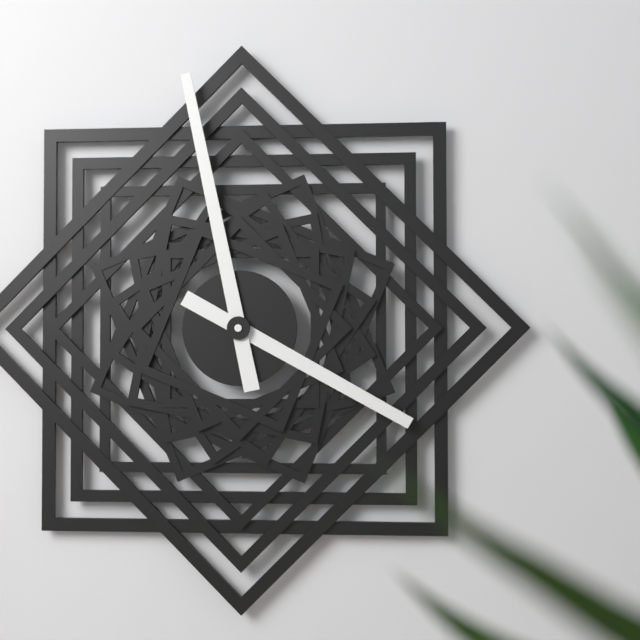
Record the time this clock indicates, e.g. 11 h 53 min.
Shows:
3 h 58 min
